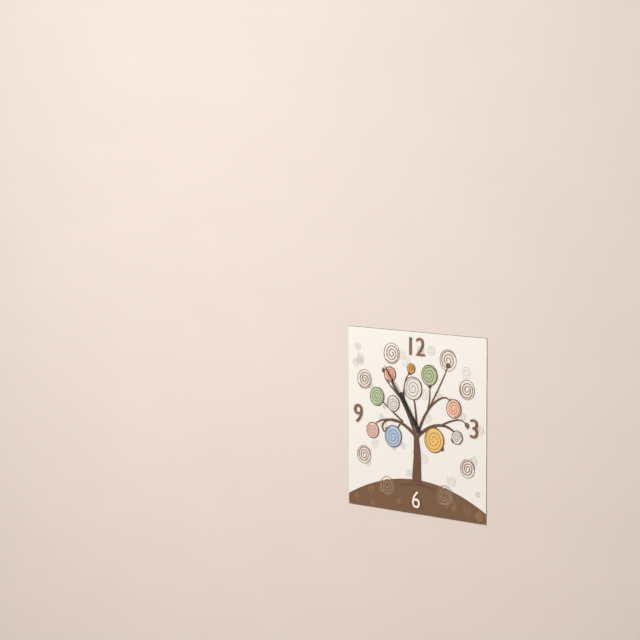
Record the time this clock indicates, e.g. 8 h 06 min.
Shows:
10 h 54 min
